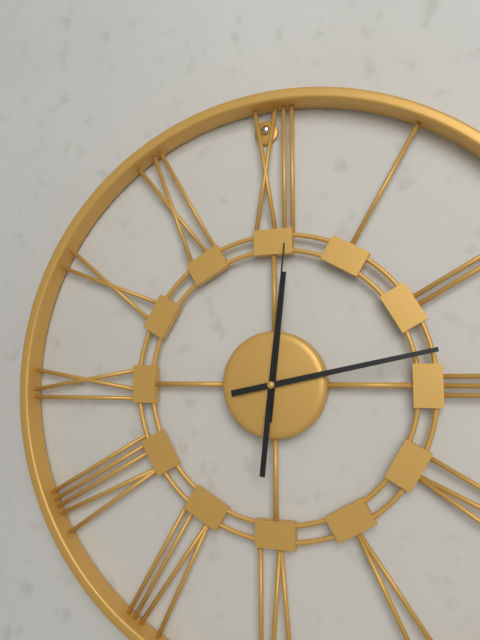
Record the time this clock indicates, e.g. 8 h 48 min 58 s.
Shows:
12 h 13 min 01 s
